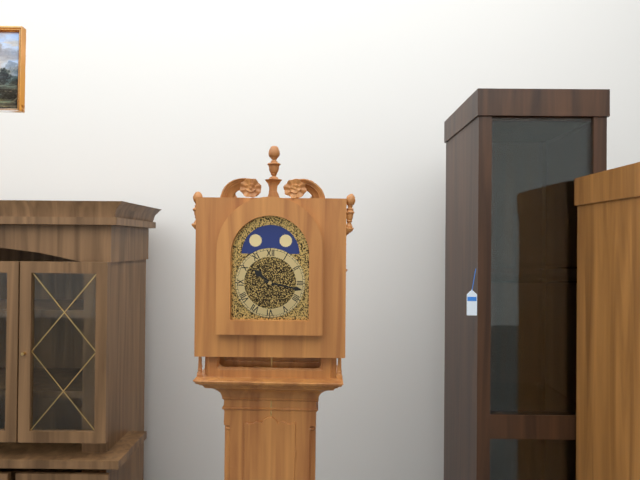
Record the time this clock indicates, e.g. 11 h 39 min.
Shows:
10 h 17 min
